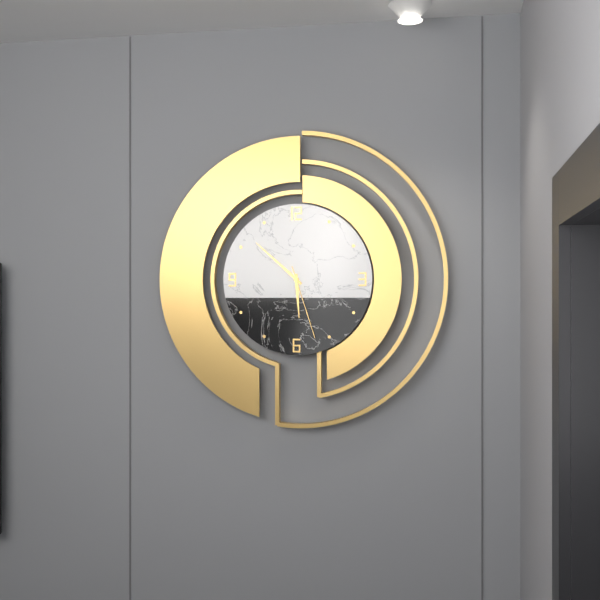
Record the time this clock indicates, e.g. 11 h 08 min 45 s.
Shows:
5 h 52 min 27 s
